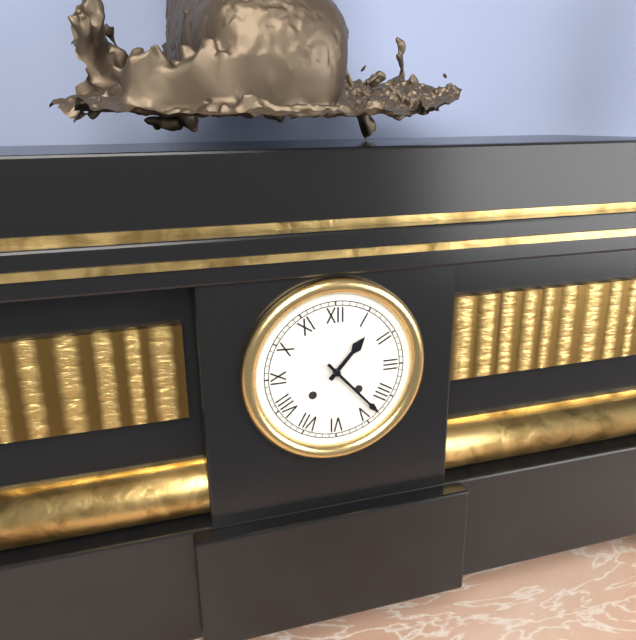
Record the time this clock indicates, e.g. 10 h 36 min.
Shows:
1 h 23 min
